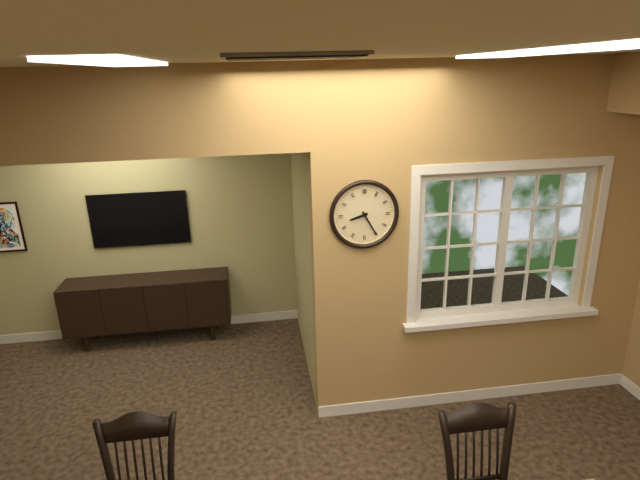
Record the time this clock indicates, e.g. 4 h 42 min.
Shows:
8 h 25 min
